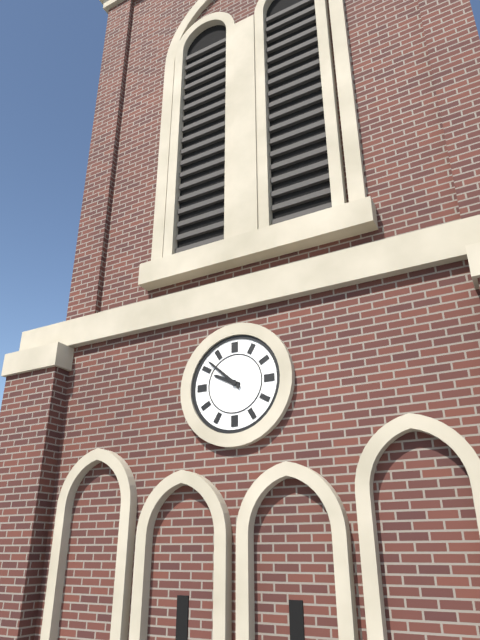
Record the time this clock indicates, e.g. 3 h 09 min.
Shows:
9 h 52 min
